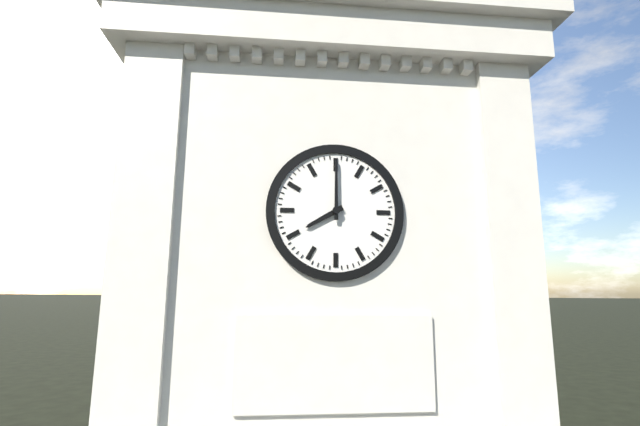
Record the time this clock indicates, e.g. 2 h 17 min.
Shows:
8 h 00 min
